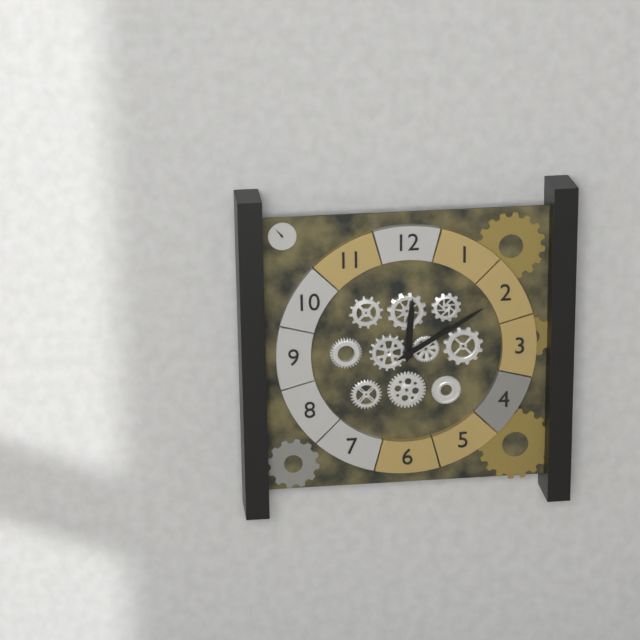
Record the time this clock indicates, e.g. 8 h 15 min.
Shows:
12 h 10 min
